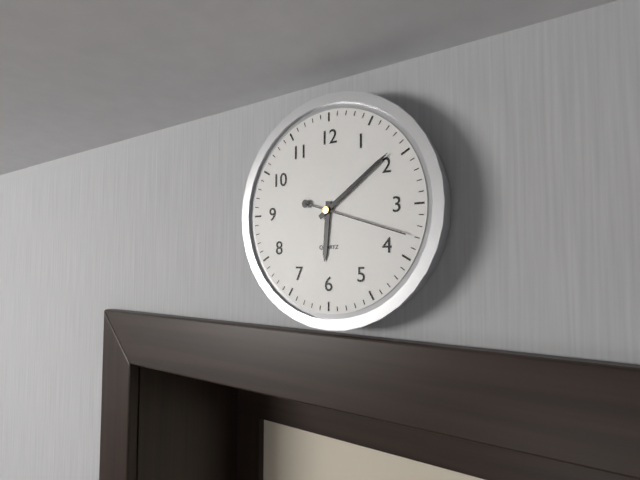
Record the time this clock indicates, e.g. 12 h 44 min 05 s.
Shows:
6 h 09 min 18 s
